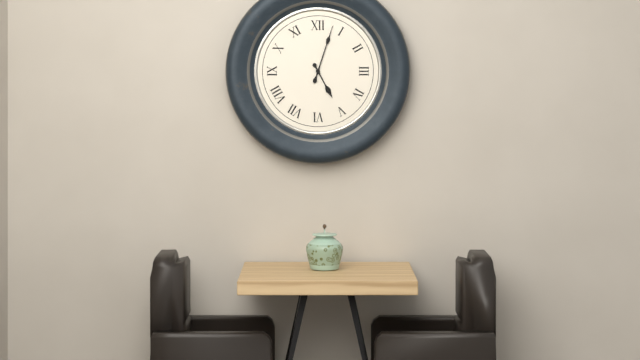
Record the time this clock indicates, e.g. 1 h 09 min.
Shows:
5 h 03 min
